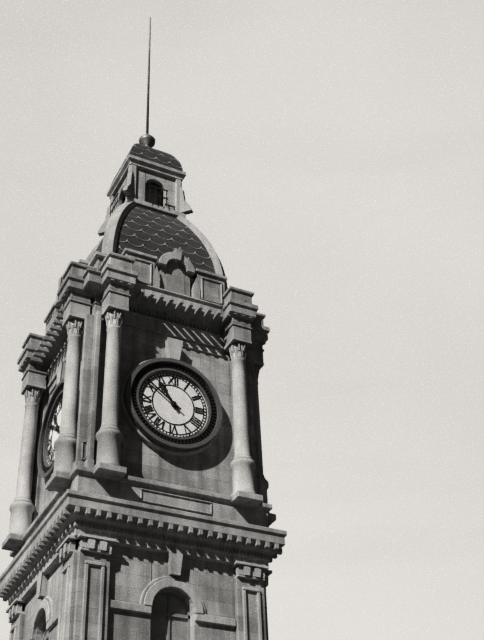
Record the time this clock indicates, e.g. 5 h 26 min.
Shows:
10 h 51 min
